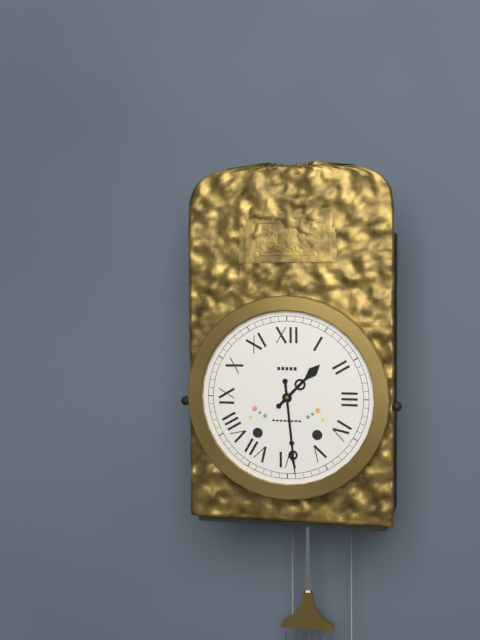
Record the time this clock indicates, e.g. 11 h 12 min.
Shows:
1 h 29 min
